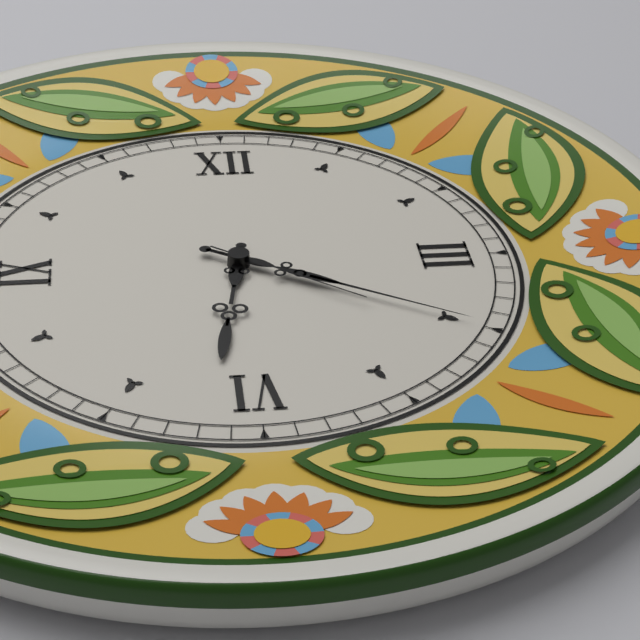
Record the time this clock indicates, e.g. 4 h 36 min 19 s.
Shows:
6 h 20 min 21 s
